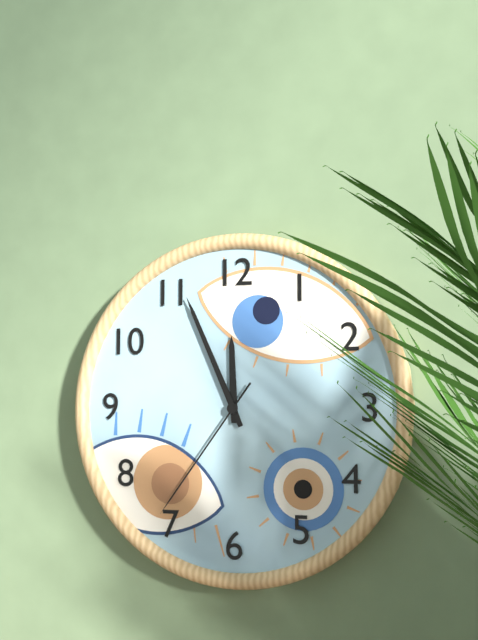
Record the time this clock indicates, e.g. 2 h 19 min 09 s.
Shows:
11 h 56 min 36 s
